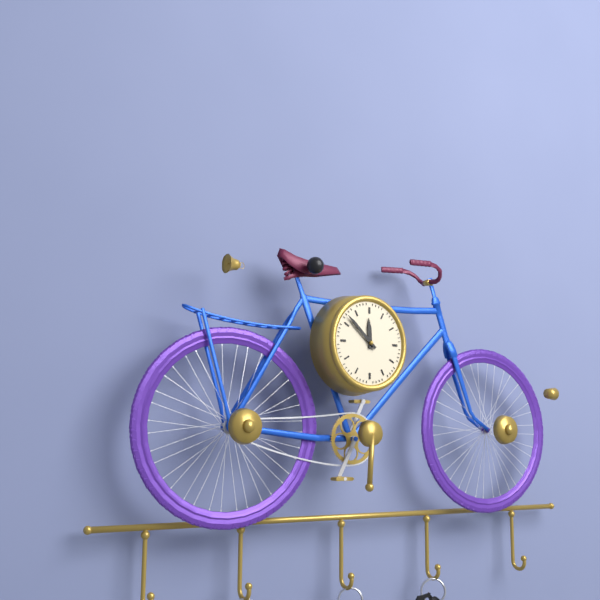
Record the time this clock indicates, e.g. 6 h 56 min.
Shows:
11 h 52 min
